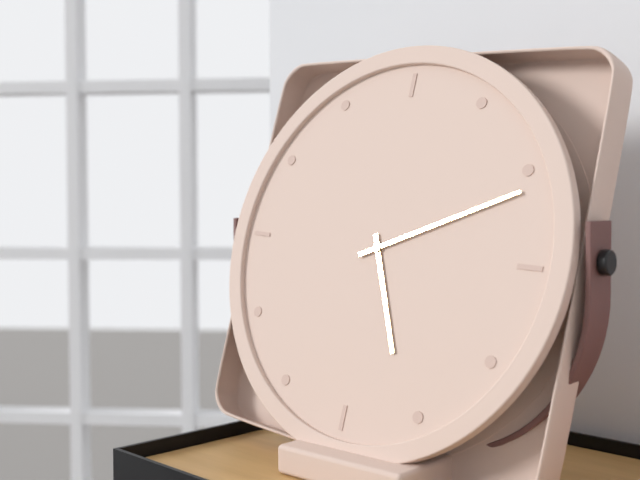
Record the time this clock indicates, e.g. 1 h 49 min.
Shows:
5 h 11 min
